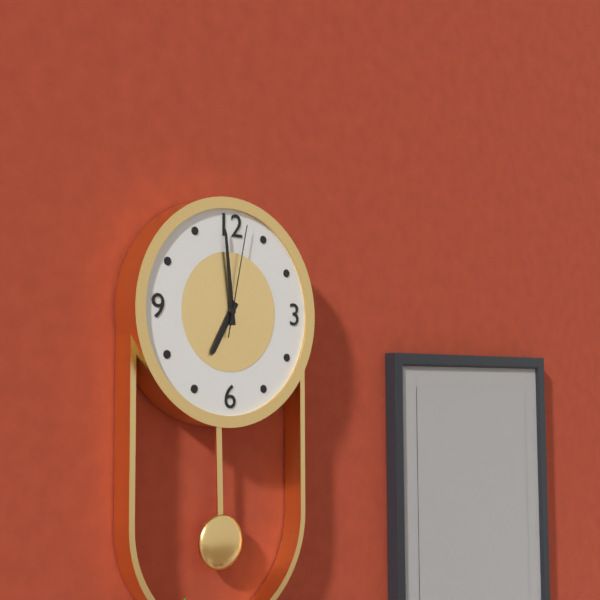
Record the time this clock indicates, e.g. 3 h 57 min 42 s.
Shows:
6 h 59 min 02 s
